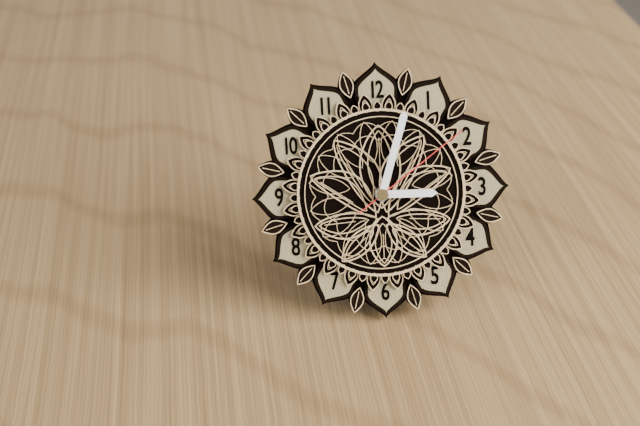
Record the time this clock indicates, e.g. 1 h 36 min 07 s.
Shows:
3 h 03 min 09 s
